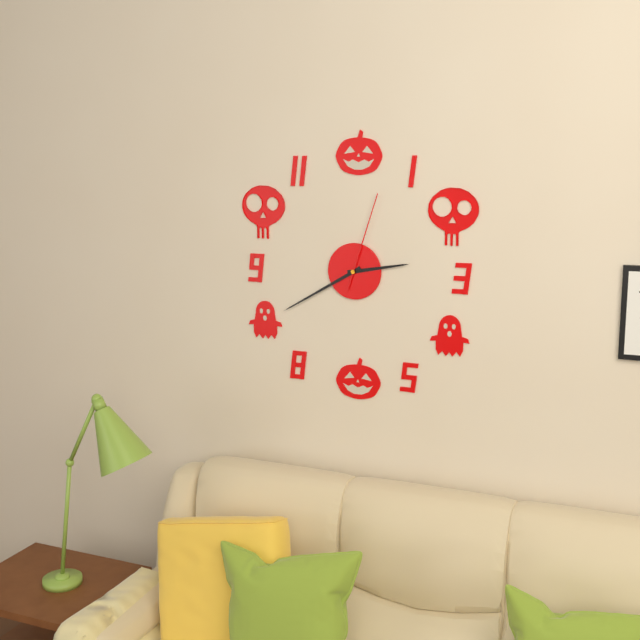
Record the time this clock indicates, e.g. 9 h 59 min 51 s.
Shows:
2 h 40 min 03 s
